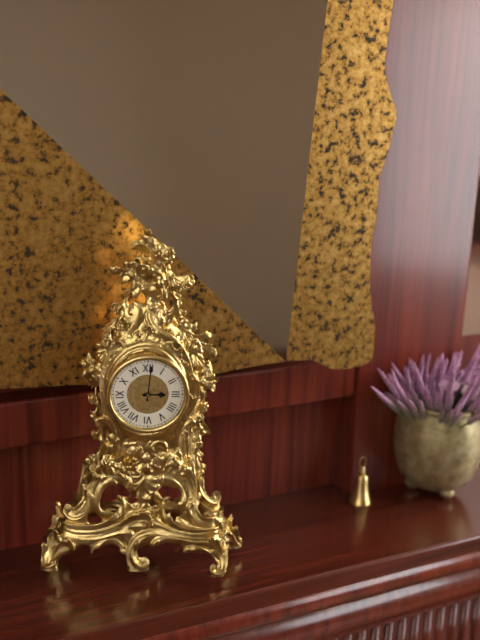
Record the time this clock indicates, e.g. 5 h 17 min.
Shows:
3 h 01 min
